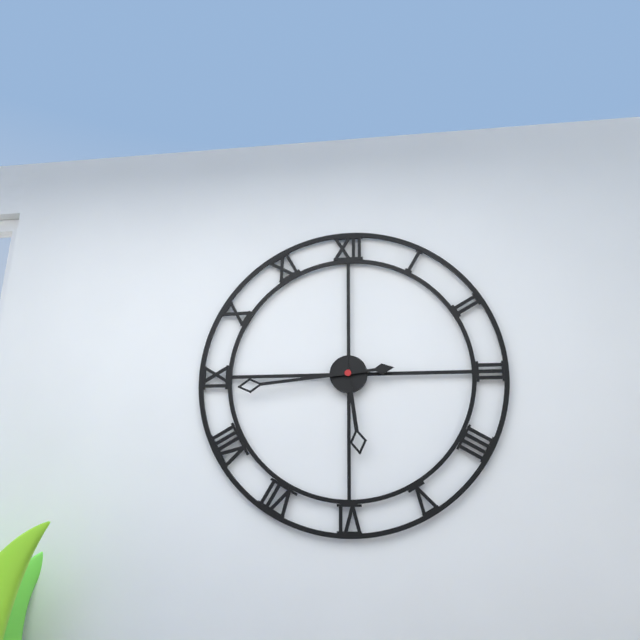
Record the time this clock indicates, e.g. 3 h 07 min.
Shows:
5 h 44 min
